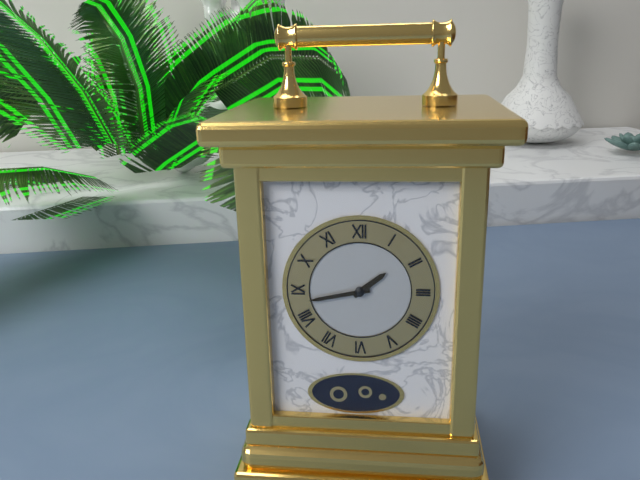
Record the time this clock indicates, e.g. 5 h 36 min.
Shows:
1 h 43 min
